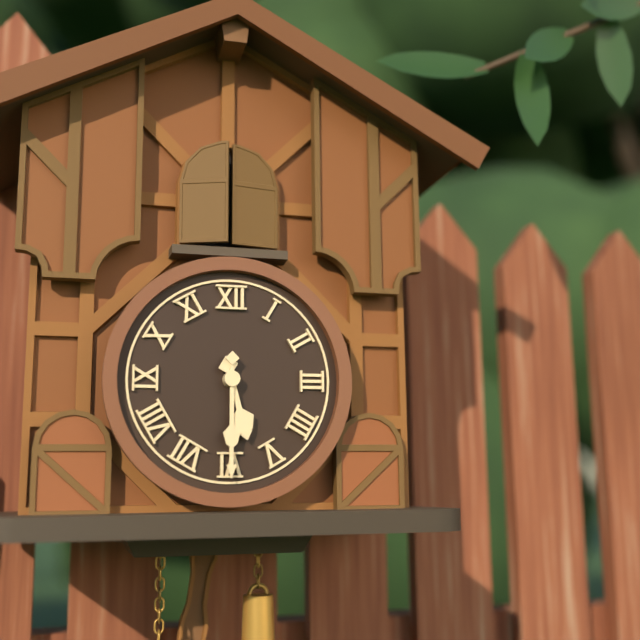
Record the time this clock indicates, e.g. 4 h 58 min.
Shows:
5 h 30 min
